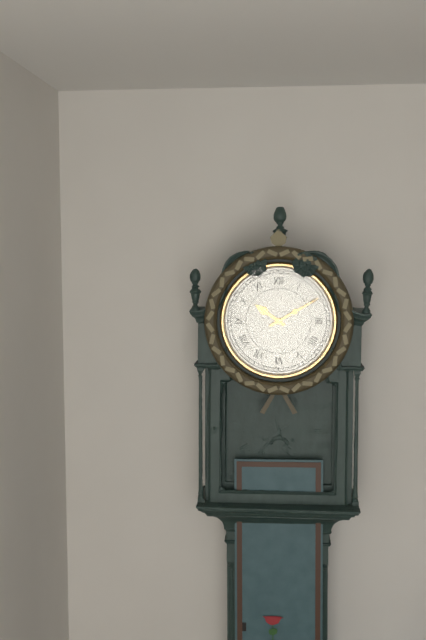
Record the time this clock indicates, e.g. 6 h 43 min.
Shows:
10 h 10 min
